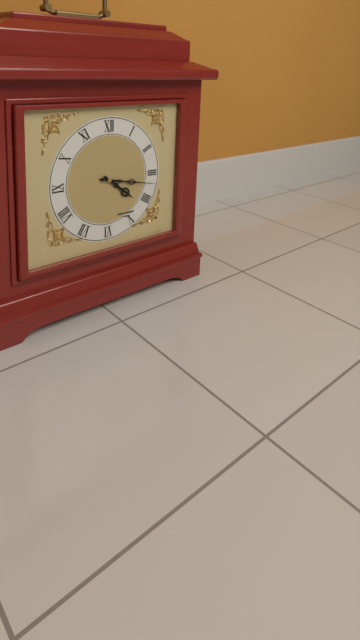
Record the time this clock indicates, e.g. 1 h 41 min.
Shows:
4 h 17 min
